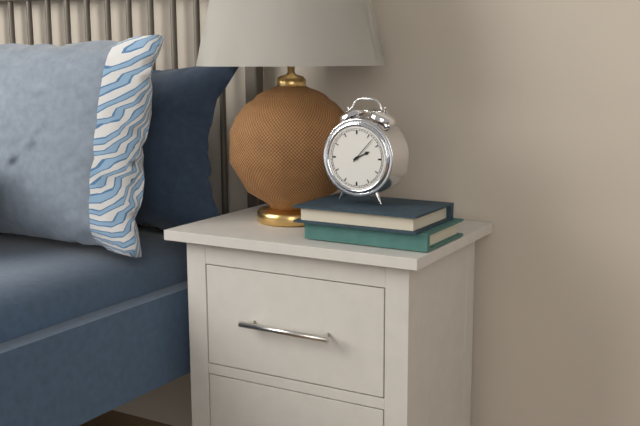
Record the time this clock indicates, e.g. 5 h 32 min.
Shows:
2 h 07 min
